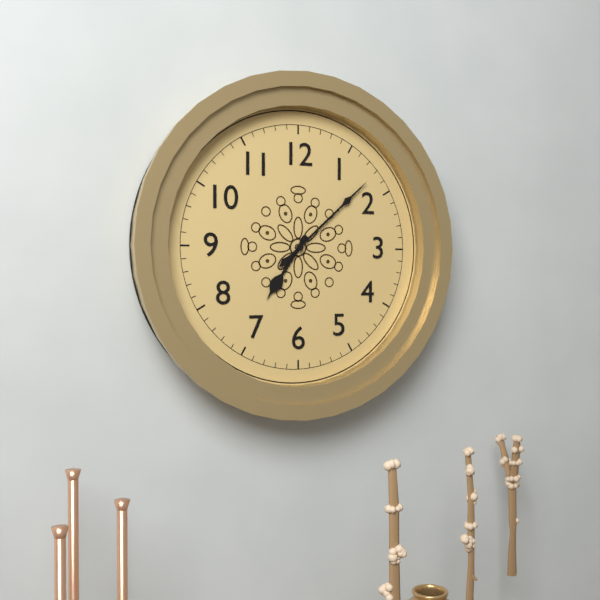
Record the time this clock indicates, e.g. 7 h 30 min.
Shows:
7 h 08 min
